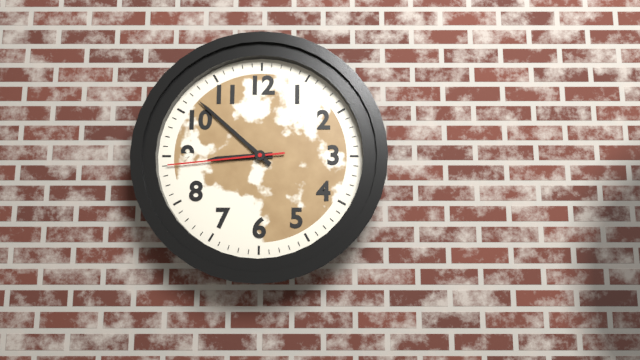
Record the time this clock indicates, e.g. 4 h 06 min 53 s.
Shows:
8 h 52 min 44 s
